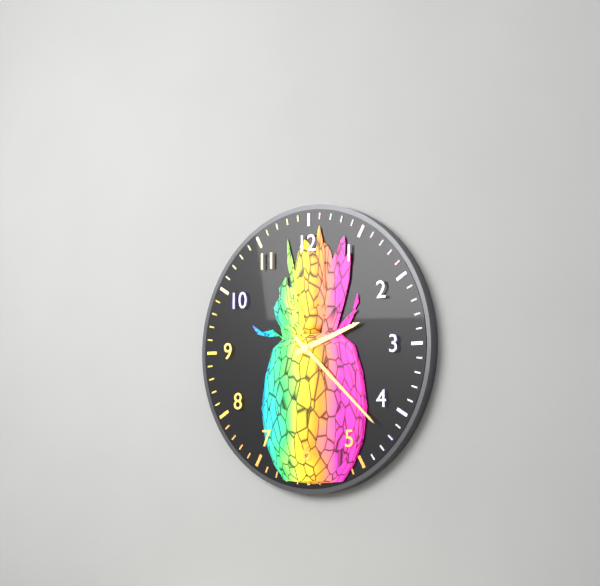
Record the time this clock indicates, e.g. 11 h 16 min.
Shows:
2 h 22 min
